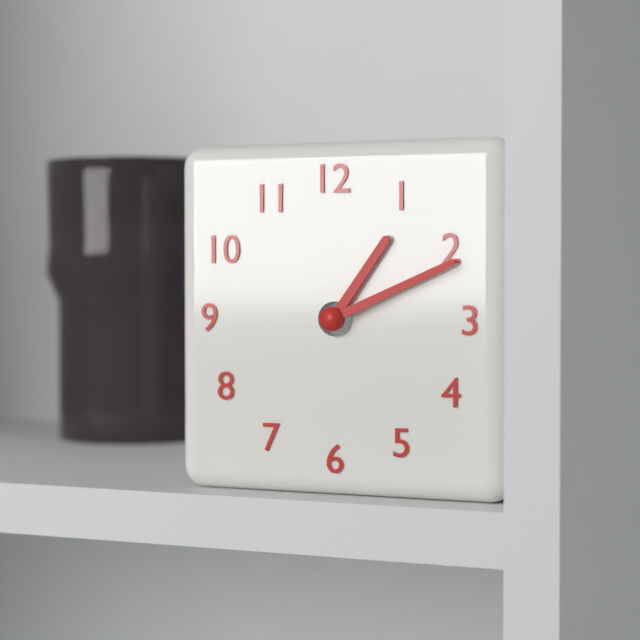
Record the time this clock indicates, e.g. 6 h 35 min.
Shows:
1 h 11 min
